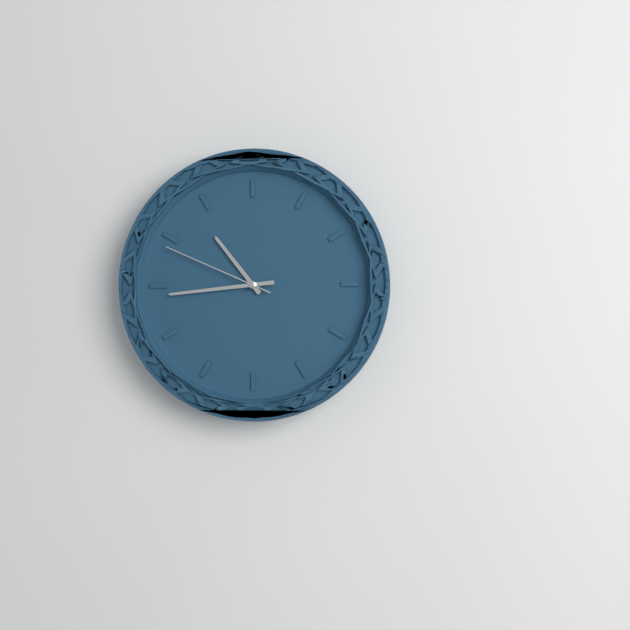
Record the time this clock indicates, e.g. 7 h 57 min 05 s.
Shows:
10 h 44 min 49 s
